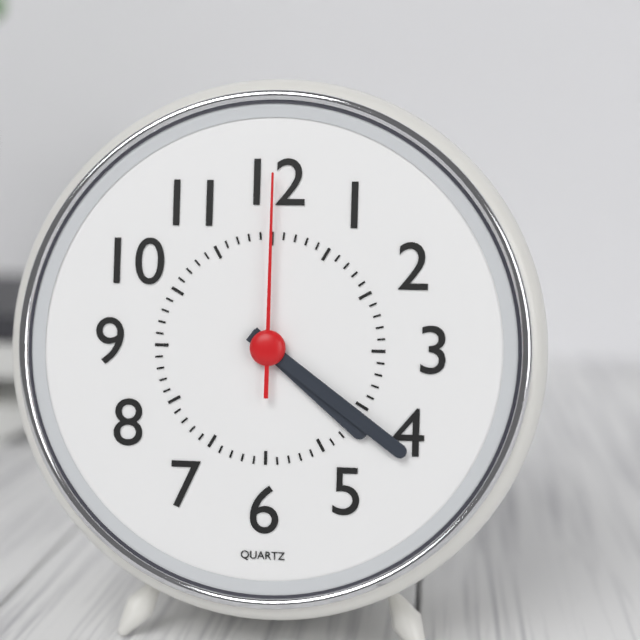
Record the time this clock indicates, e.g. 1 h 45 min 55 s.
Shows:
4 h 21 min 00 s
